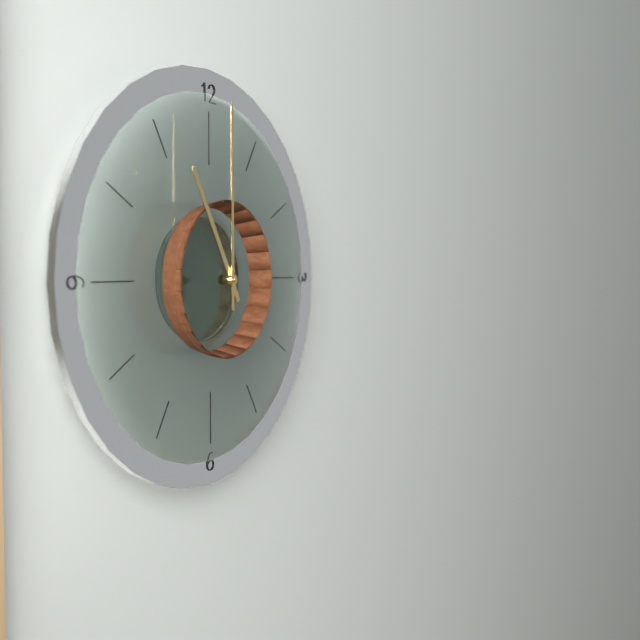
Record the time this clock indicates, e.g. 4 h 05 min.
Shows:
11 h 00 min
